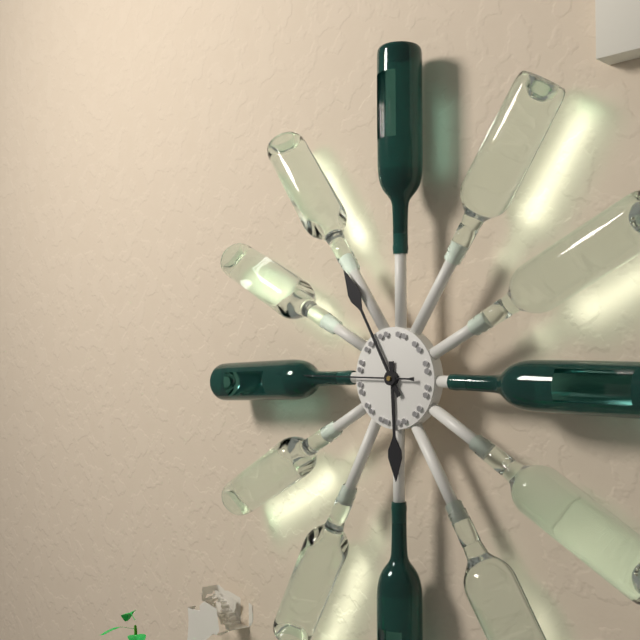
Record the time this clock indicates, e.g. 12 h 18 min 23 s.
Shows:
5 h 55 min 45 s
